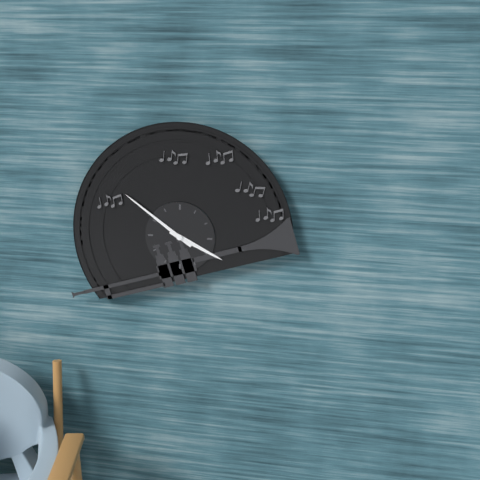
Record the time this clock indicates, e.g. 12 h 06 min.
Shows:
3 h 51 min
